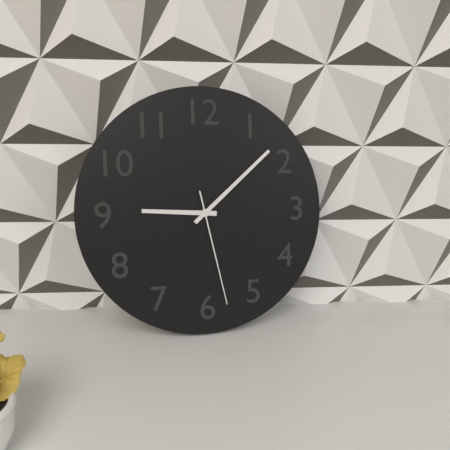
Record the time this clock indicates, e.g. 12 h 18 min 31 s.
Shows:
9 h 08 min 28 s
